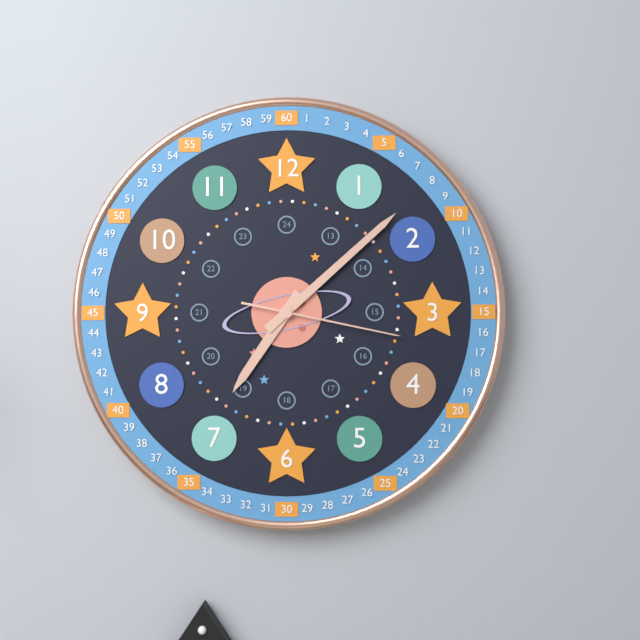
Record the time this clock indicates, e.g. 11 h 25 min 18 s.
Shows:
7 h 08 min 17 s
